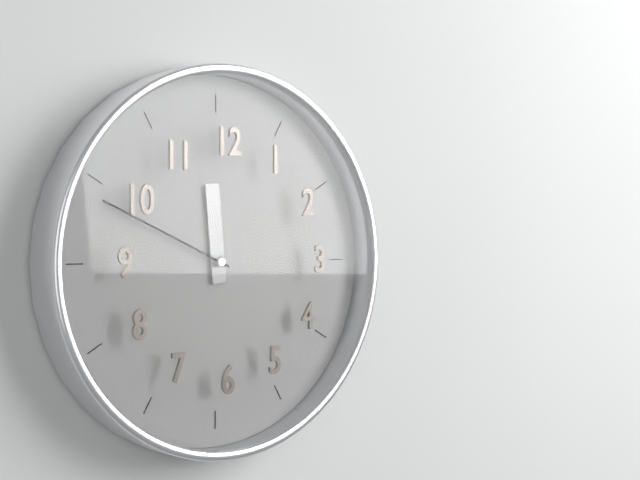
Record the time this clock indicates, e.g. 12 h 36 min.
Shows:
11 h 49 min
